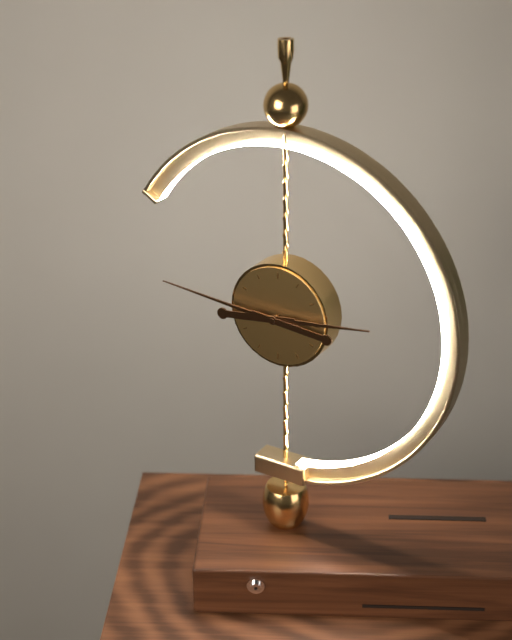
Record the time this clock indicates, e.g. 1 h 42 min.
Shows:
2 h 46 min
